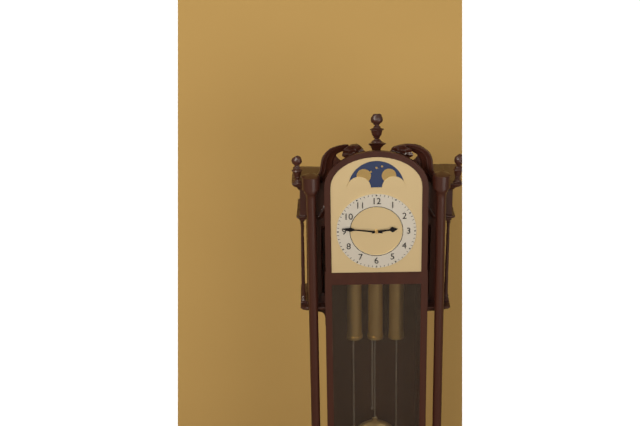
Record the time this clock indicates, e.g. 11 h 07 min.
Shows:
2 h 46 min
